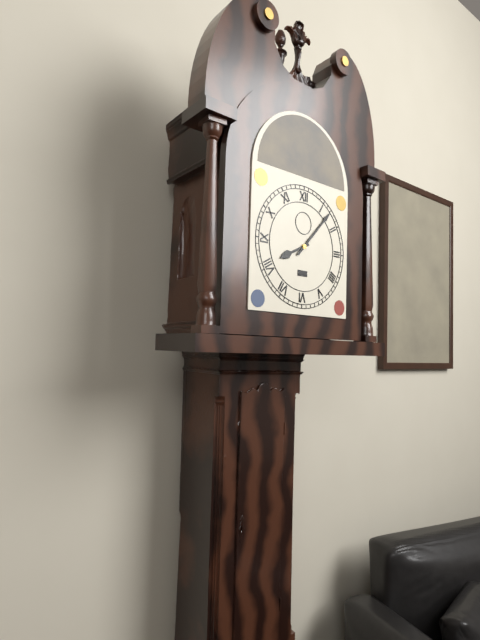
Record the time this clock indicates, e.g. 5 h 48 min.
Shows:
8 h 07 min
